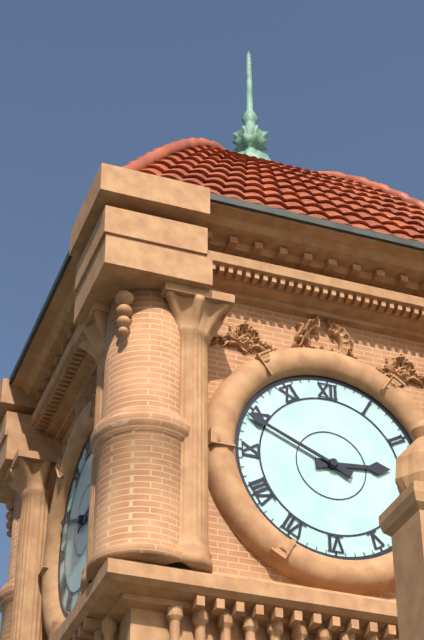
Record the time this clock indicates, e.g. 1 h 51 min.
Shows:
2 h 49 min
